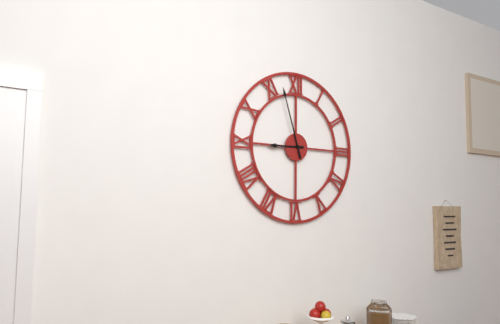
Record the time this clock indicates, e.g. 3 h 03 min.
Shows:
8 h 57 min
